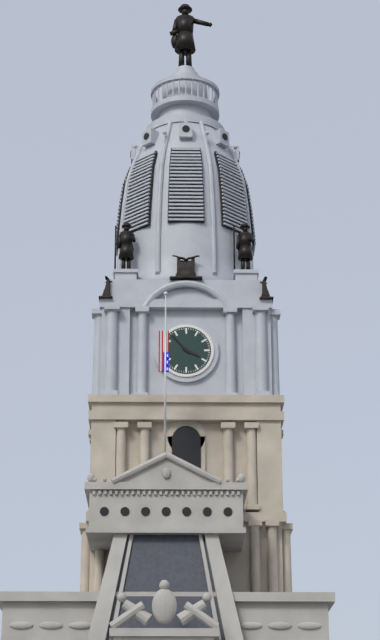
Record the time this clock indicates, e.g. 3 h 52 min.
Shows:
3 h 53 min
